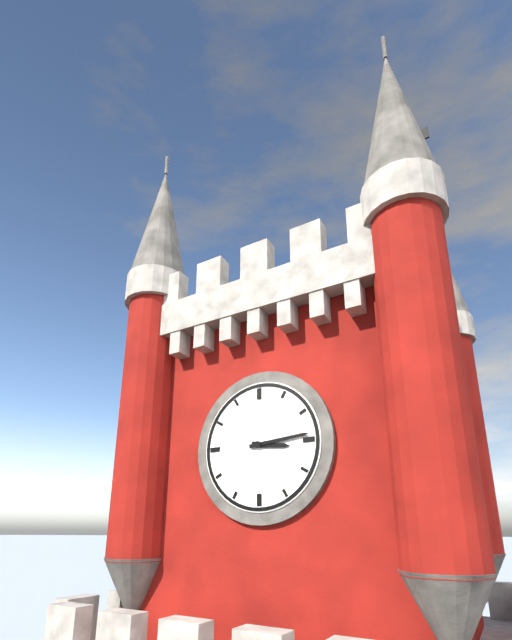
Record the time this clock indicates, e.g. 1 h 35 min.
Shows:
3 h 14 min
